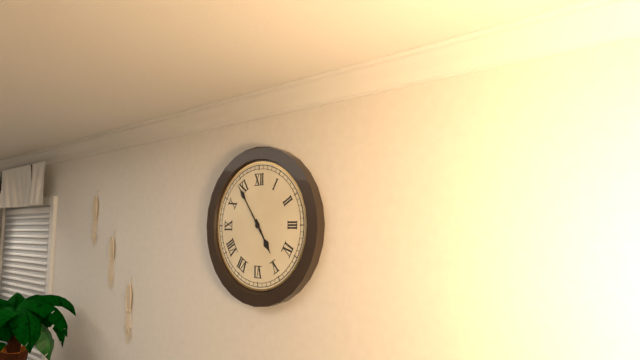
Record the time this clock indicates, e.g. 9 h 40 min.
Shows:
4 h 54 min
